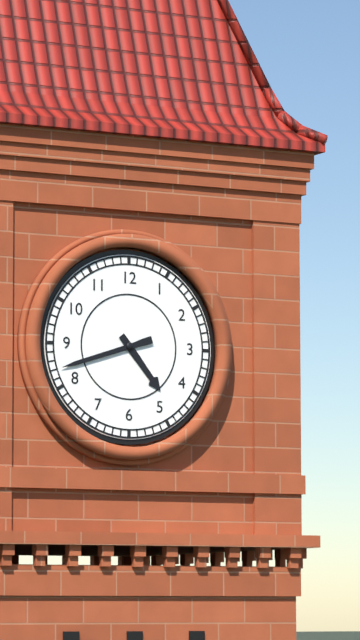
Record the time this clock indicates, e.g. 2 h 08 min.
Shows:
4 h 42 min
